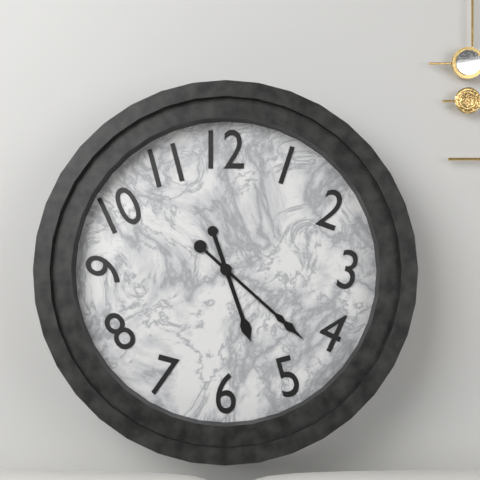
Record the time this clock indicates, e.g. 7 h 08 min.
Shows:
5 h 22 min
